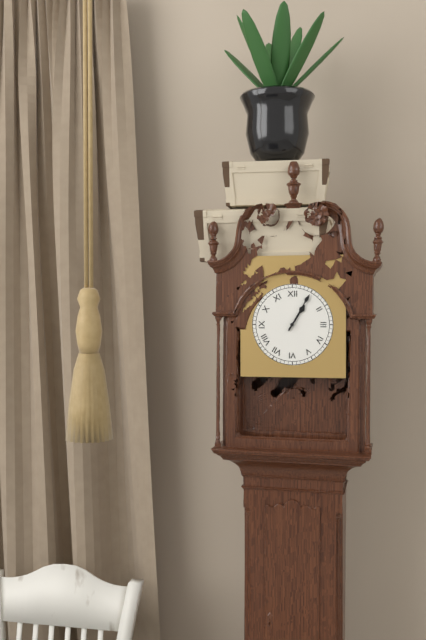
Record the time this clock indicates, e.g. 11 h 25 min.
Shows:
1 h 05 min
